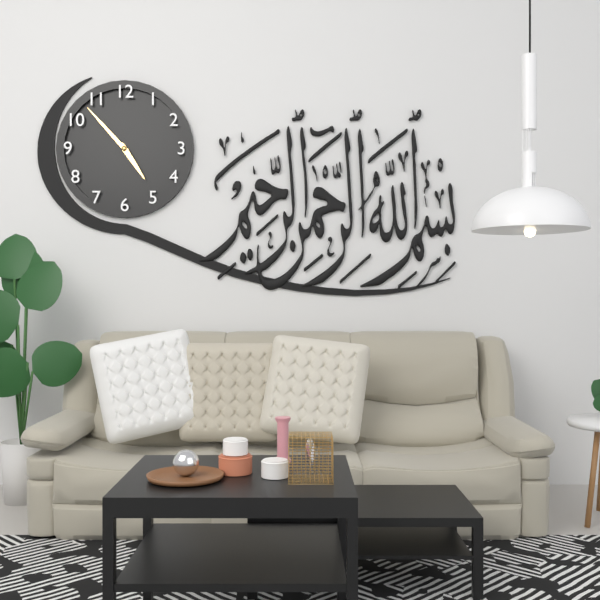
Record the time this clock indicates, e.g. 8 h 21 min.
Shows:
4 h 53 min
